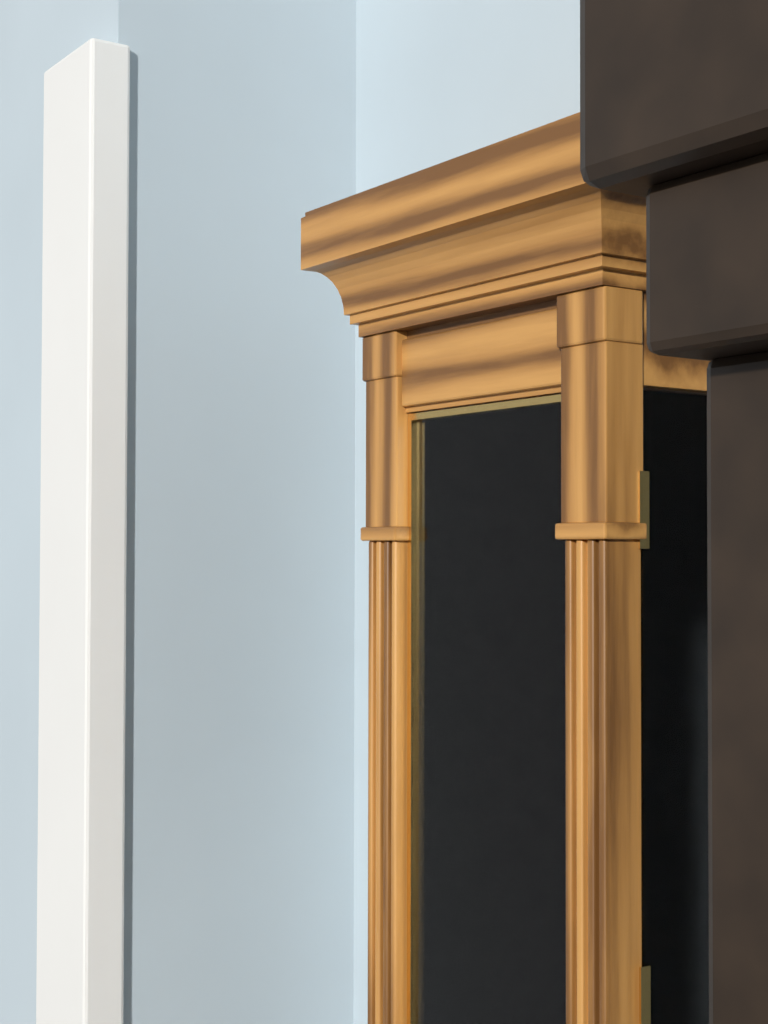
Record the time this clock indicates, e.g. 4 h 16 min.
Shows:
10 h 51 min
